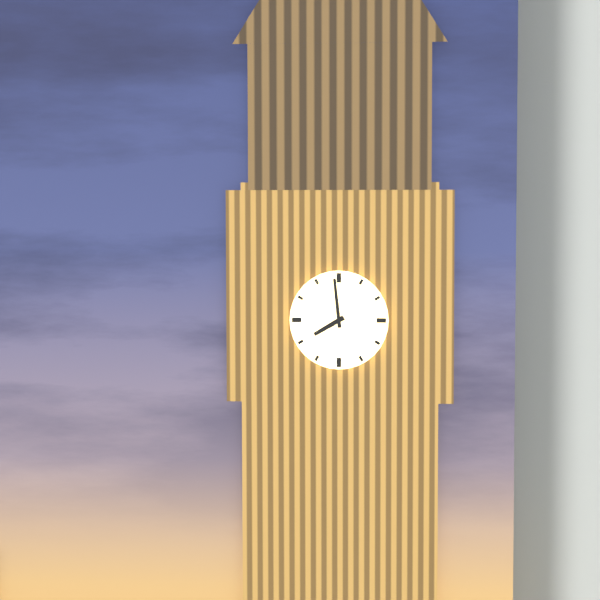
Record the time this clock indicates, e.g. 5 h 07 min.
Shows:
7 h 59 min
